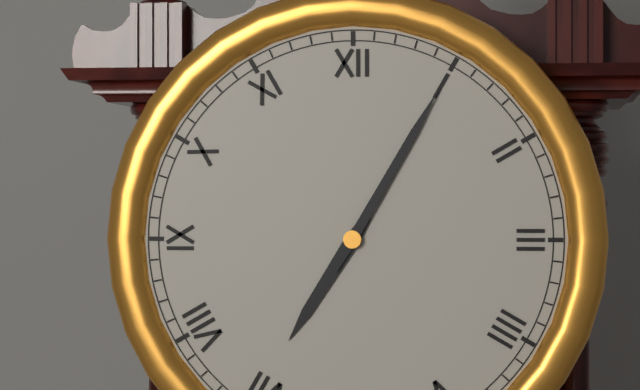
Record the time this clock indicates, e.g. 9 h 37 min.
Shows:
7 h 05 min
